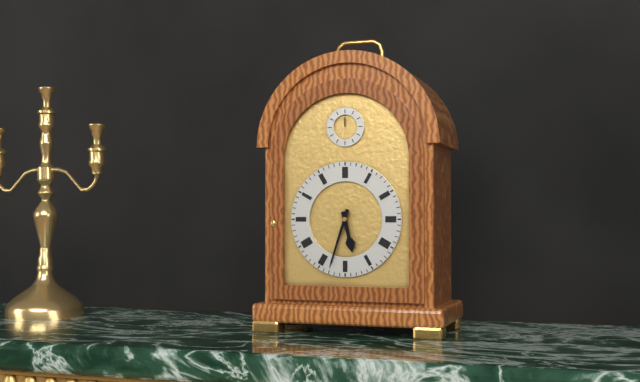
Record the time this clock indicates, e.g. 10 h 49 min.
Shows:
5 h 33 min
